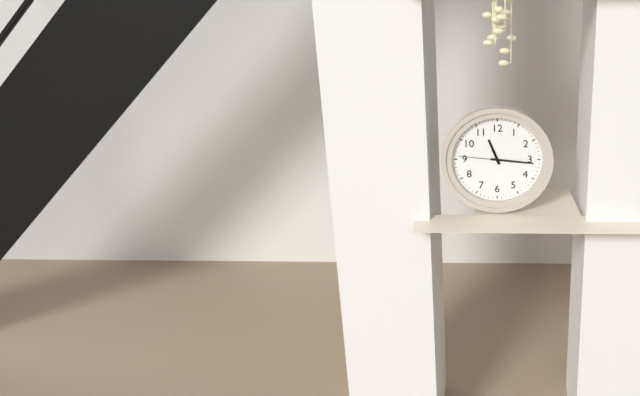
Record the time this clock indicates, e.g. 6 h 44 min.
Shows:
11 h 16 min
